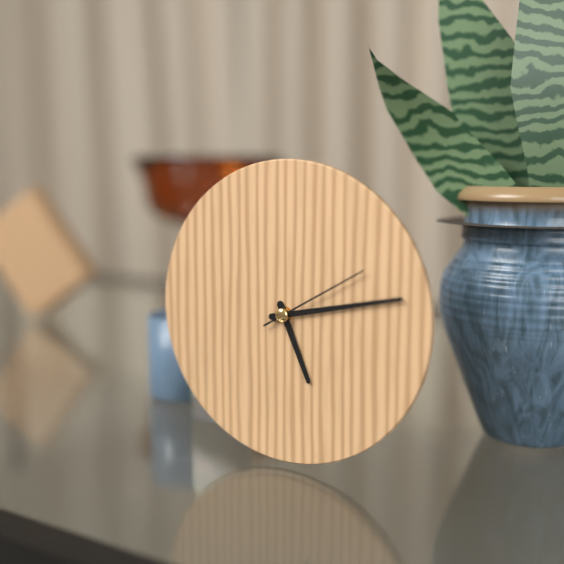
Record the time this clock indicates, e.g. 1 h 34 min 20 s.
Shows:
5 h 13 min 10 s
